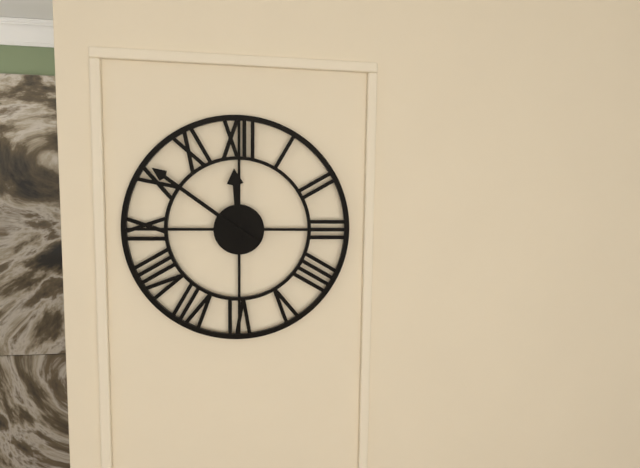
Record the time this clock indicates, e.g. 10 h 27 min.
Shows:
11 h 51 min
